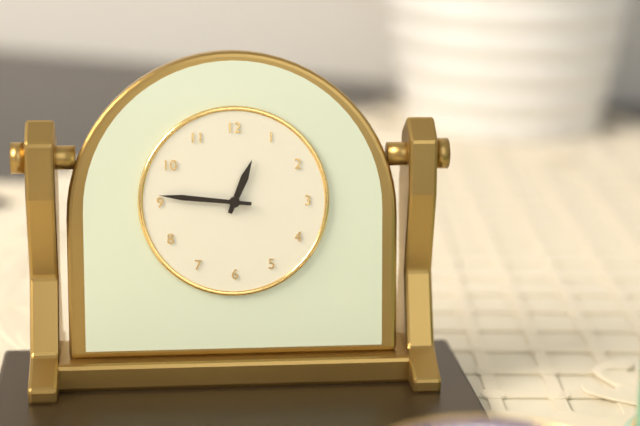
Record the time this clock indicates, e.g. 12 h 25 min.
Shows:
12 h 46 min
